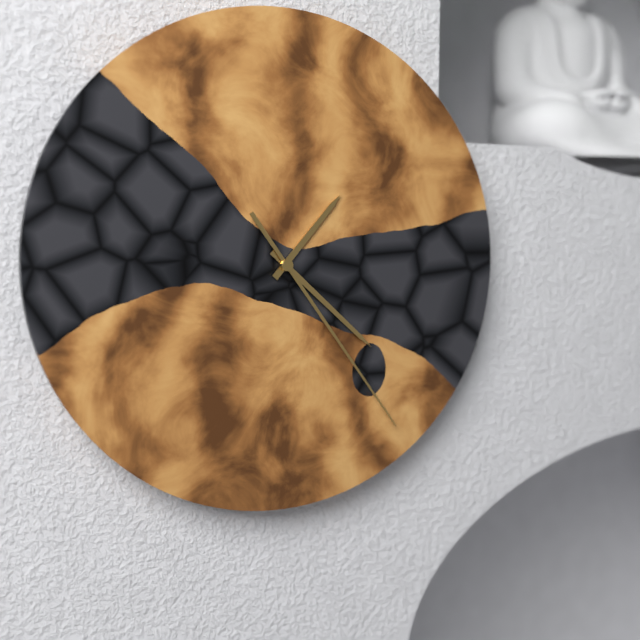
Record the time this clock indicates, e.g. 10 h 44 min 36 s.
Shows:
1 h 22 min 24 s
